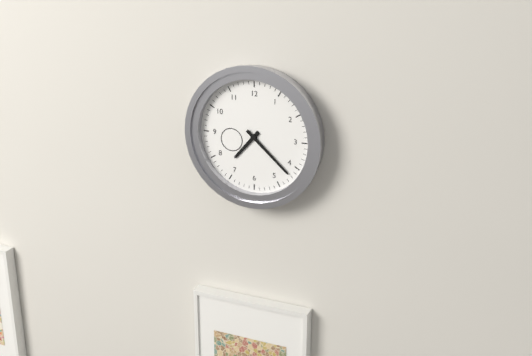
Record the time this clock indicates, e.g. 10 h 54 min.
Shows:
7 h 22 min
